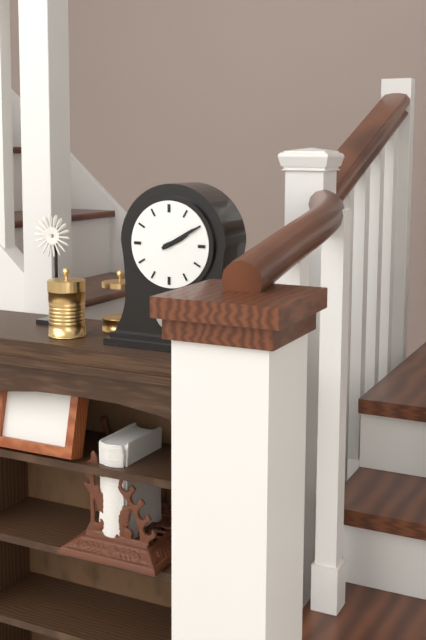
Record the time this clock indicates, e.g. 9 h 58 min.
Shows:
2 h 10 min
